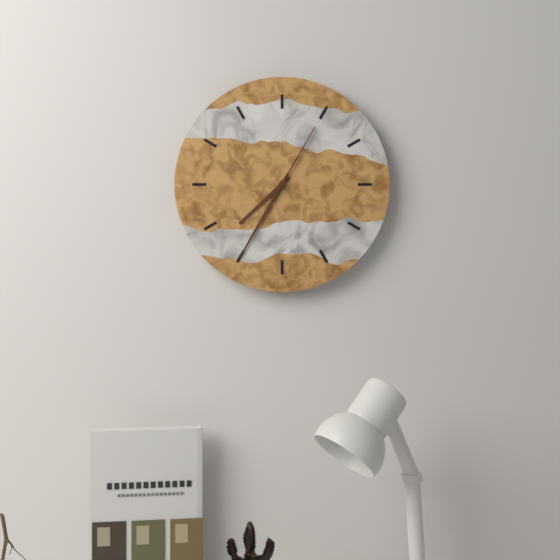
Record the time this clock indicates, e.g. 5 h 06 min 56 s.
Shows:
7 h 35 min 05 s
